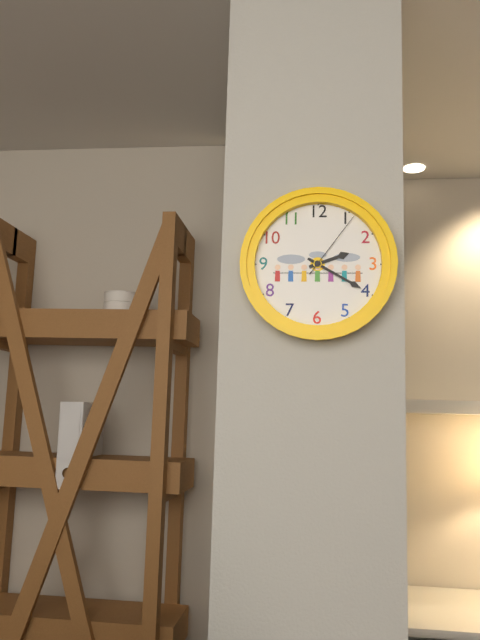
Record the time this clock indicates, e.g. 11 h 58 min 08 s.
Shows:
2 h 20 min 06 s
